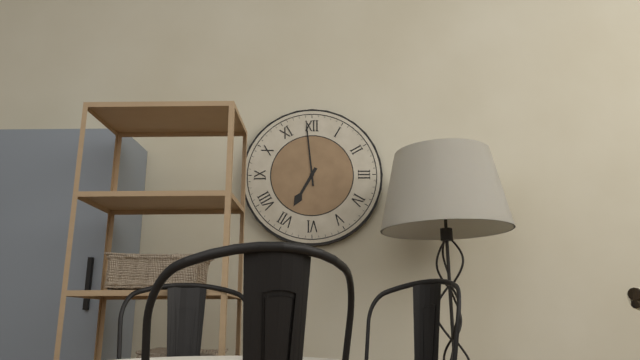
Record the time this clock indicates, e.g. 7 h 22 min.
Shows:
6 h 59 min
